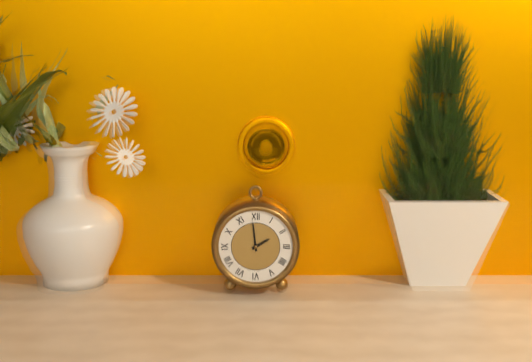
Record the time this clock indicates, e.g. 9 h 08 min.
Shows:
1 h 59 min
